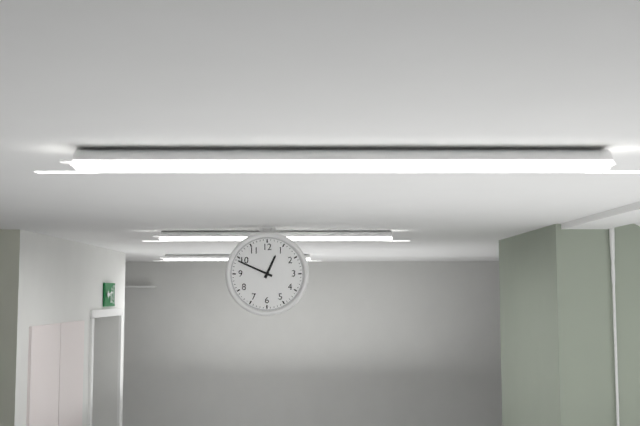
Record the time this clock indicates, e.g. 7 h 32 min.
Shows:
12 h 49 min
